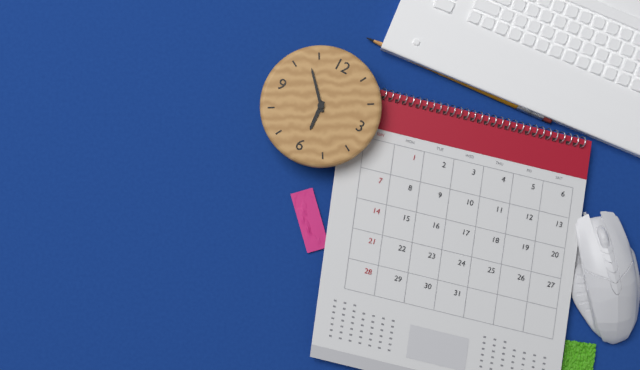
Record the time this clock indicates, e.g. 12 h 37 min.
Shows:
5 h 53 min
